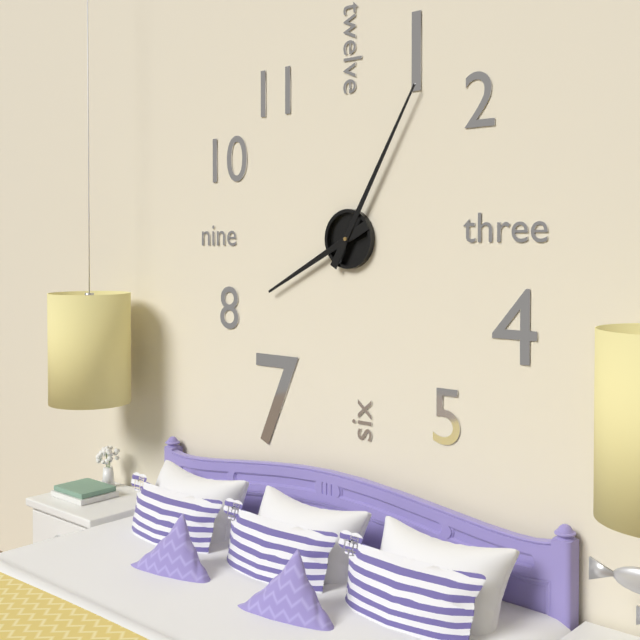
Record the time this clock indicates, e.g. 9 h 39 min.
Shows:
8 h 05 min
